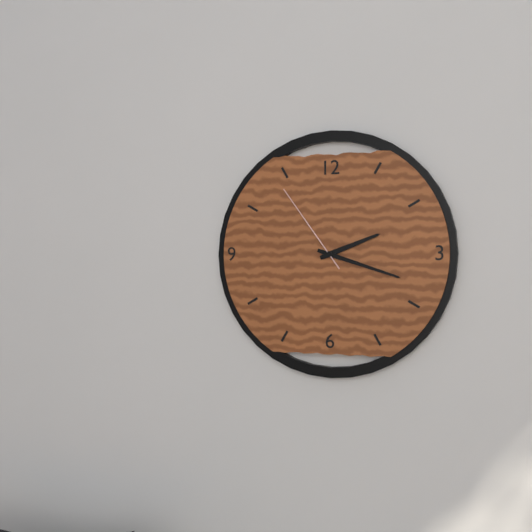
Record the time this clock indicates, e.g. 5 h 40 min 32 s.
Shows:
2 h 18 min 54 s
